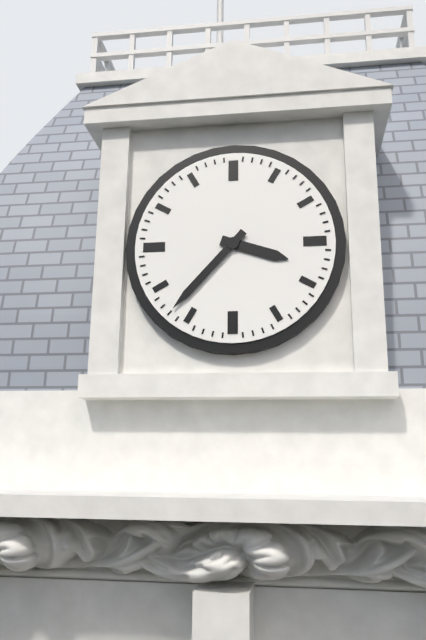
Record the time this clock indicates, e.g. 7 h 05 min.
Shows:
3 h 37 min
